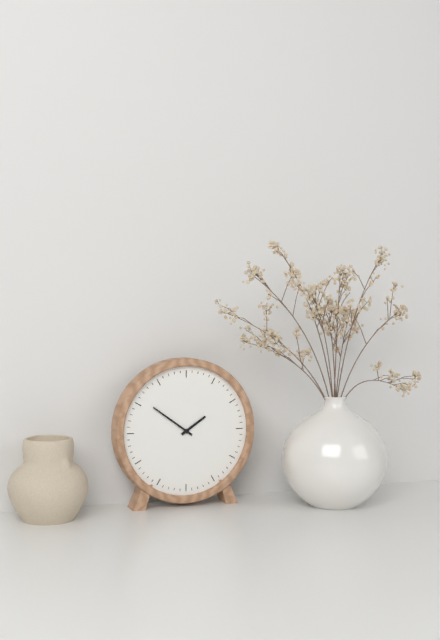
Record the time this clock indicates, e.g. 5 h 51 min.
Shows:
1 h 51 min
